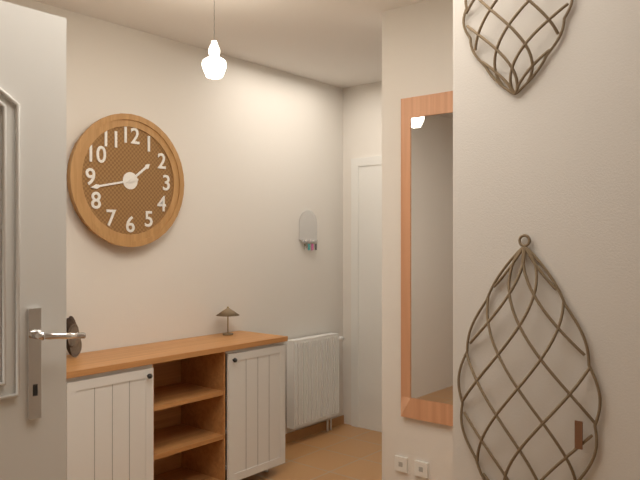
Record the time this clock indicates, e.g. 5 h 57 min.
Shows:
1 h 43 min
